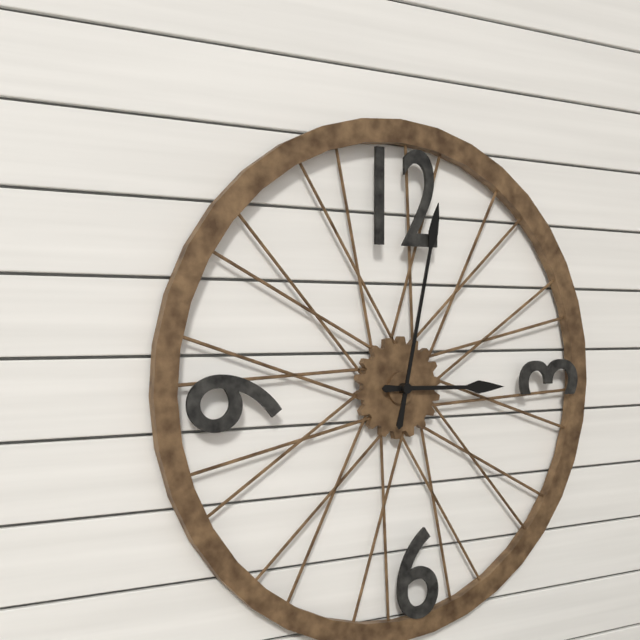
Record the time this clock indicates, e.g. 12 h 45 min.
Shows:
3 h 02 min
